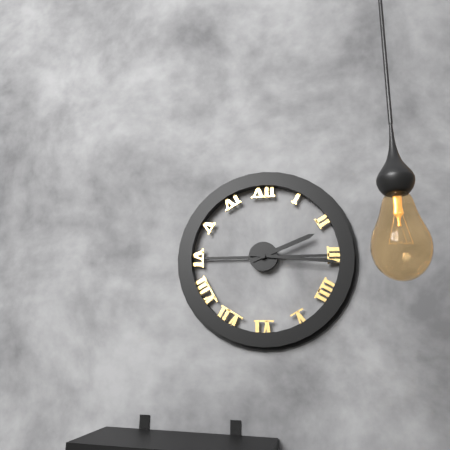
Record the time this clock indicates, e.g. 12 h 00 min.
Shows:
2 h 16 min
